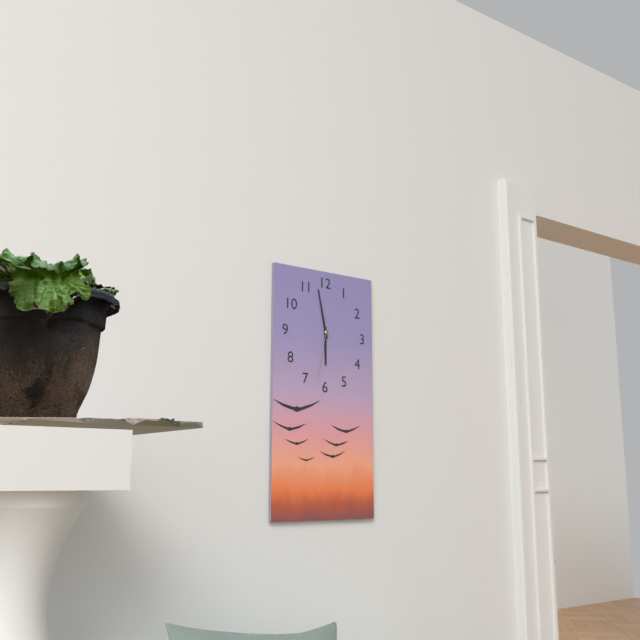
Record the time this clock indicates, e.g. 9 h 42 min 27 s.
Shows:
5 h 58 min 32 s
